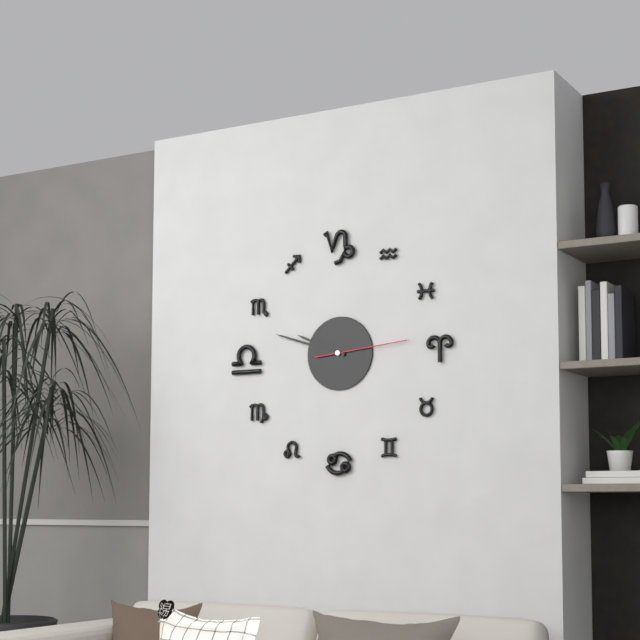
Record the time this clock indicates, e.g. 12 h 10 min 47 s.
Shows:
9 h 48 min 14 s
